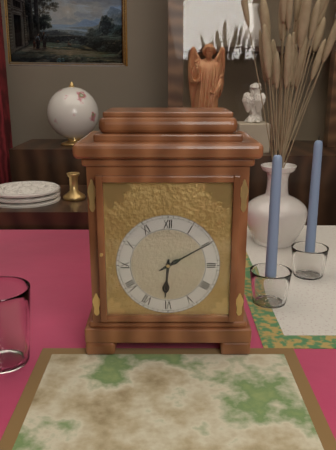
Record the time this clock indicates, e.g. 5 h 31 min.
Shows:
6 h 10 min
